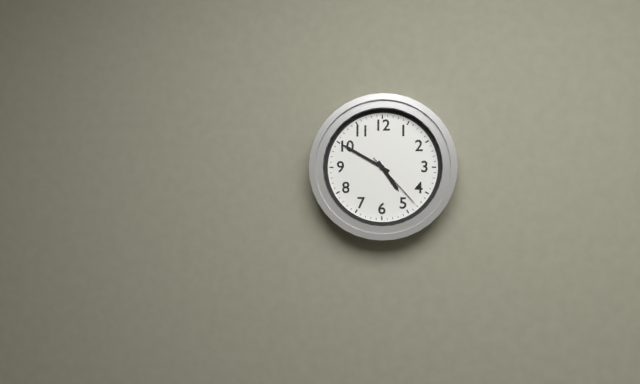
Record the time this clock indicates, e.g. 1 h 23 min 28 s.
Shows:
4 h 50 min 23 s
